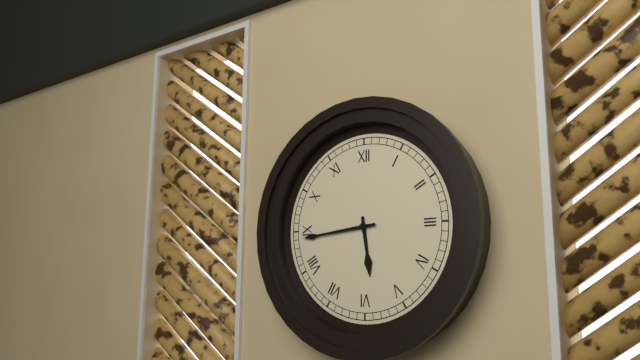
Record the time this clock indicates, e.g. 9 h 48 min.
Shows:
5 h 44 min
